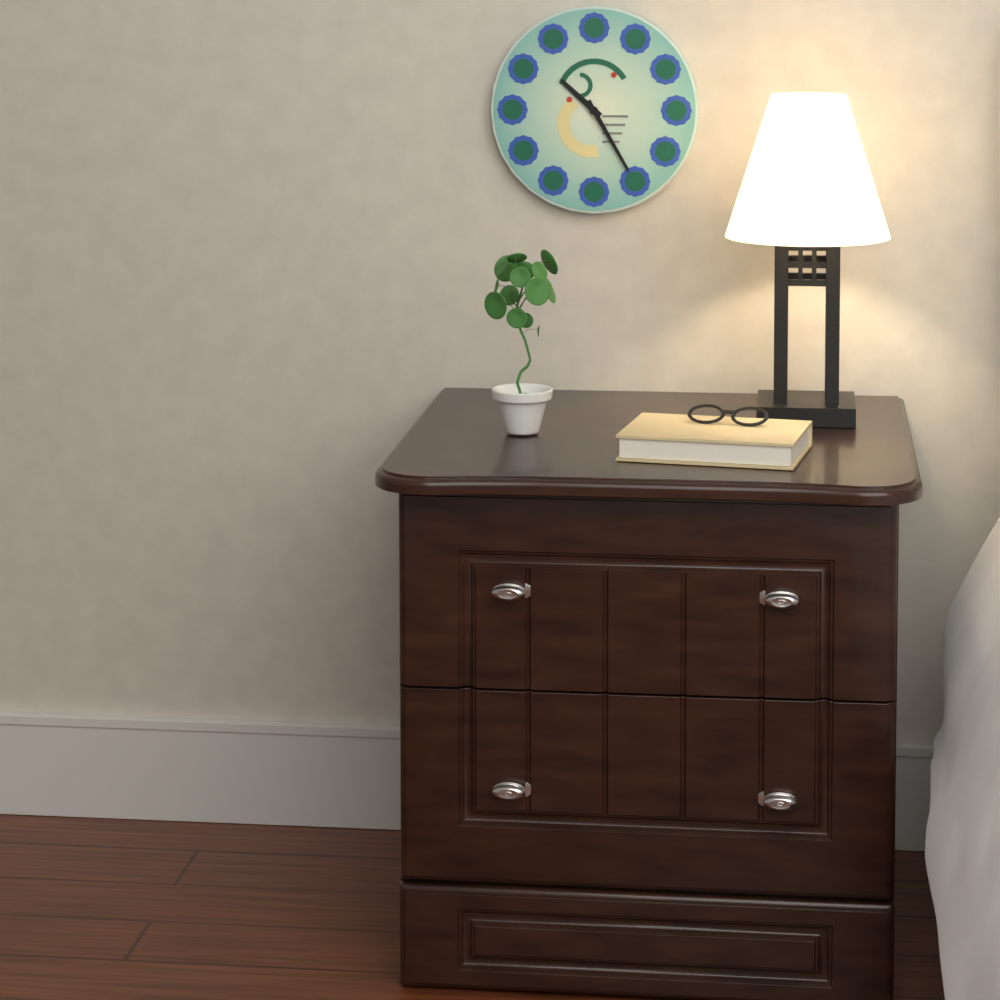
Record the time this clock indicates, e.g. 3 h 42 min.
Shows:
10 h 25 min
